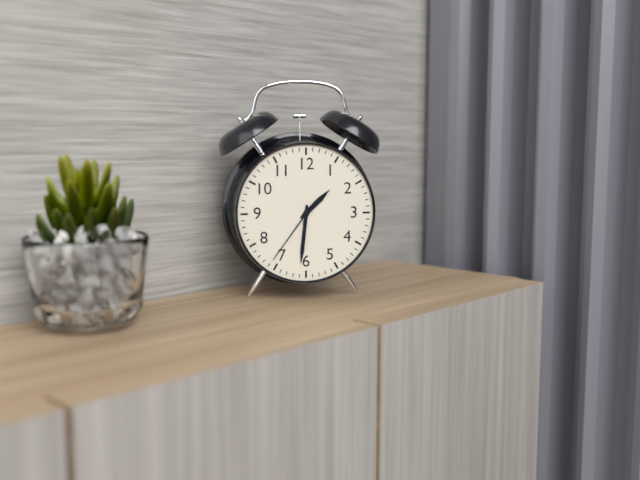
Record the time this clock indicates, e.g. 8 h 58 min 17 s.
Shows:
1 h 31 min 36 s
